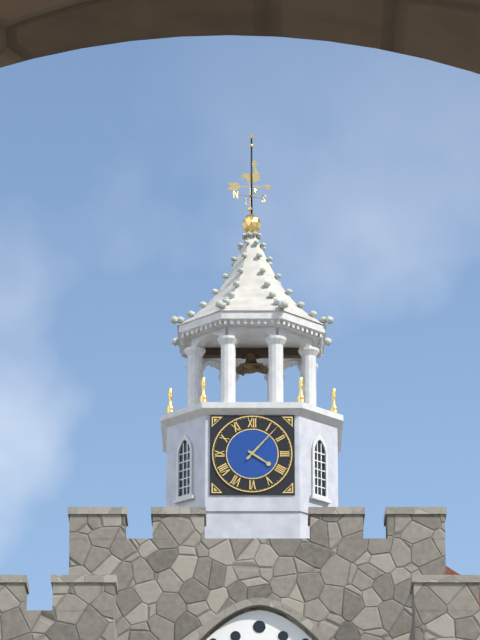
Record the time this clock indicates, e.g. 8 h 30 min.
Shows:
4 h 07 min
